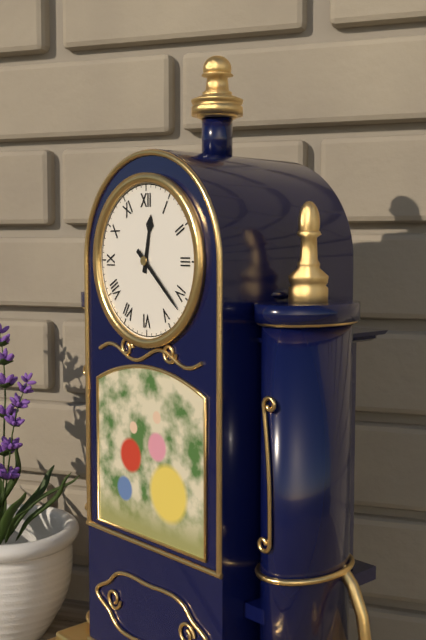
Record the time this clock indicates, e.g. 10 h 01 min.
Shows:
12 h 22 min
